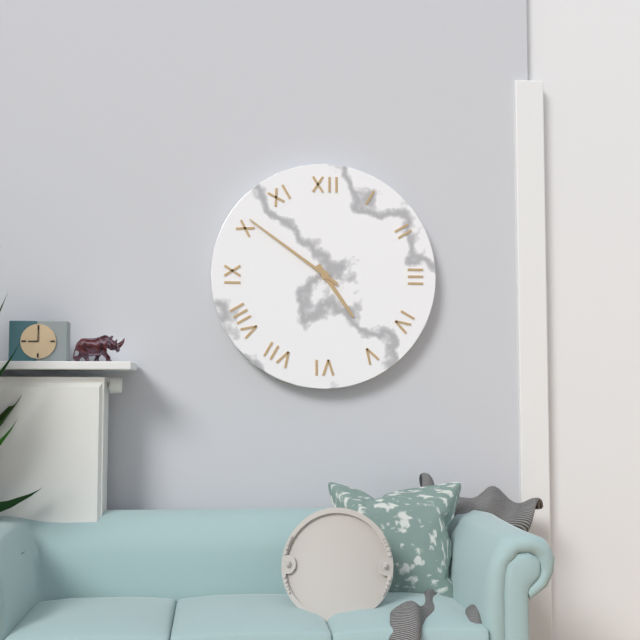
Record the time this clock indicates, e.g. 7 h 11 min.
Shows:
4 h 51 min
